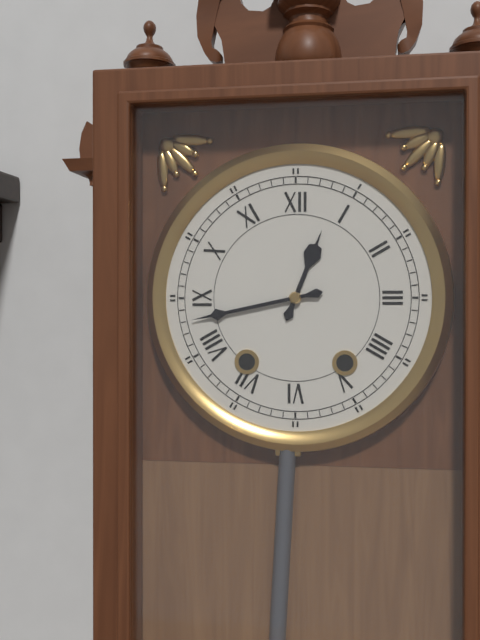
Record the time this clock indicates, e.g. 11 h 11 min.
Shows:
12 h 43 min
